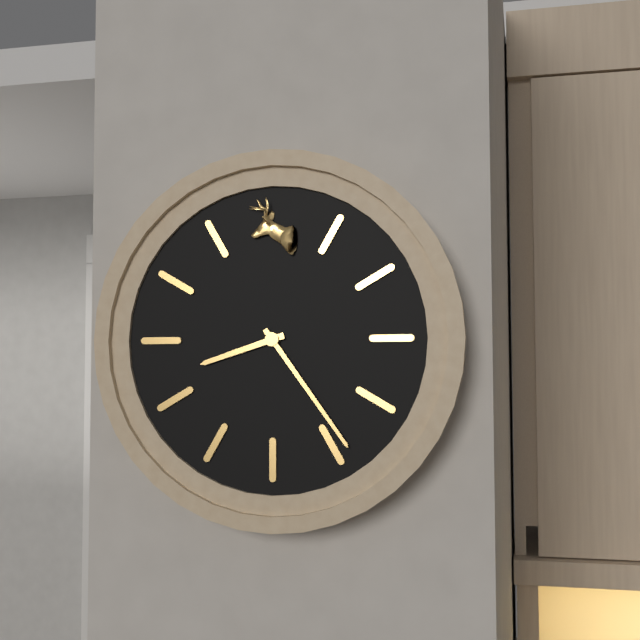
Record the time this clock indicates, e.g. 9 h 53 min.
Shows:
8 h 24 min
